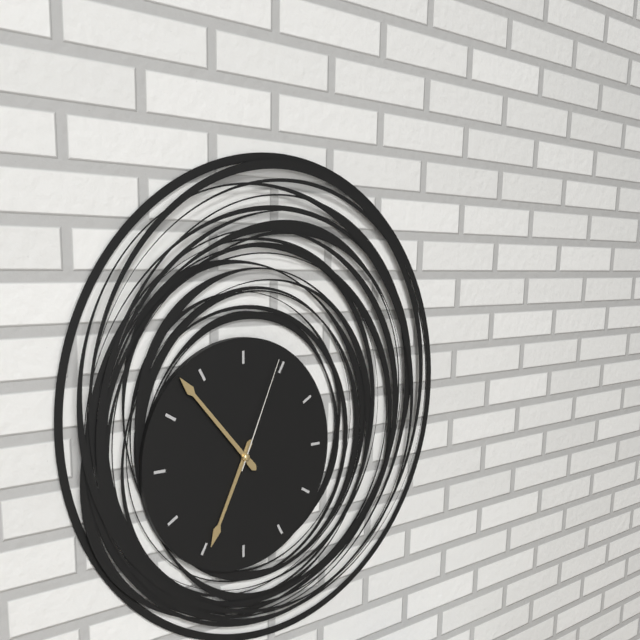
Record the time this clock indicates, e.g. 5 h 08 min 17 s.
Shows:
6 h 53 min 04 s
